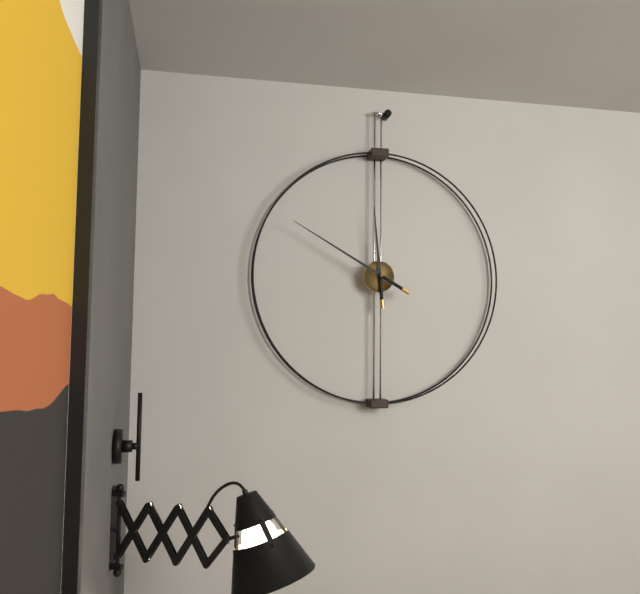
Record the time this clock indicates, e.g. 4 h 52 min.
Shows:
11 h 50 min
